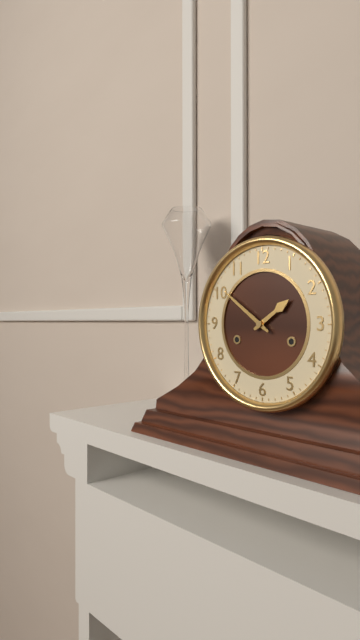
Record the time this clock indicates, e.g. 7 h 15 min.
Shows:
1 h 51 min
